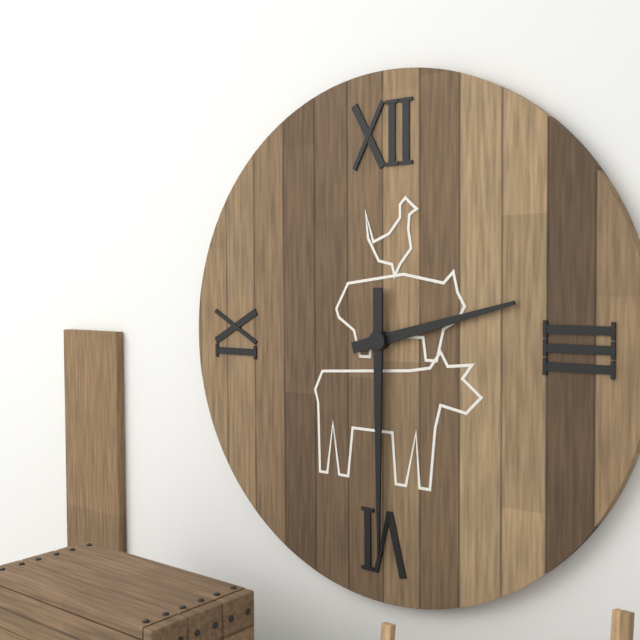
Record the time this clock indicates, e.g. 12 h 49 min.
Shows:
2 h 30 min
